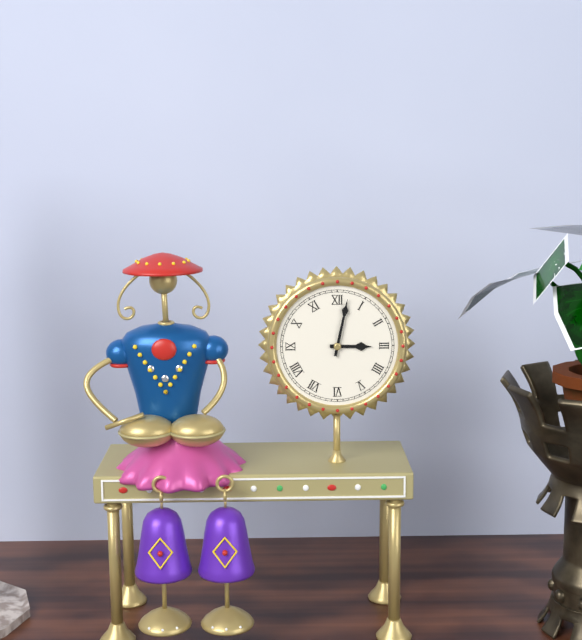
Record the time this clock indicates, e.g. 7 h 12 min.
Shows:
3 h 02 min
